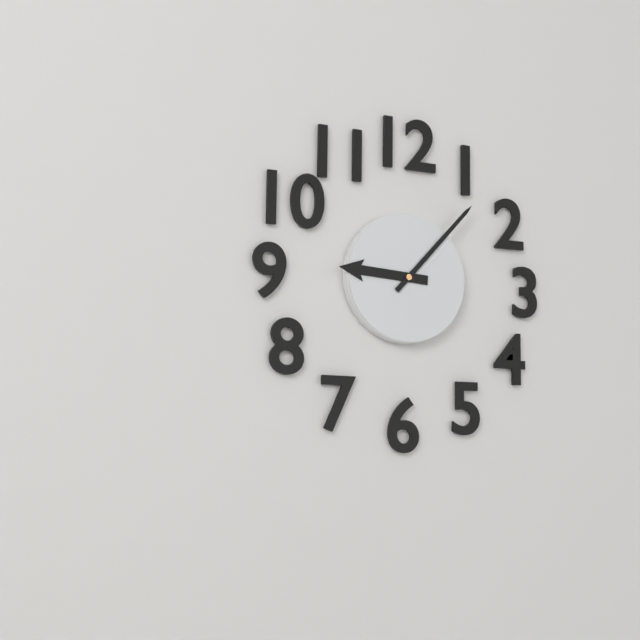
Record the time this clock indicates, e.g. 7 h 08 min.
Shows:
9 h 07 min
